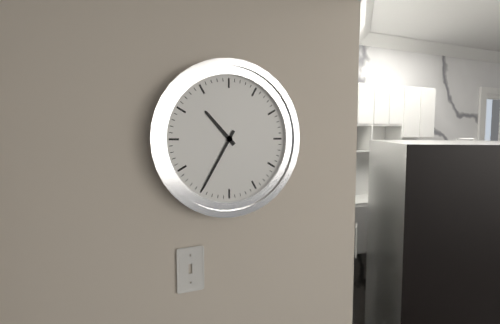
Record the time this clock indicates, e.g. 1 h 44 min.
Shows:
10 h 35 min
